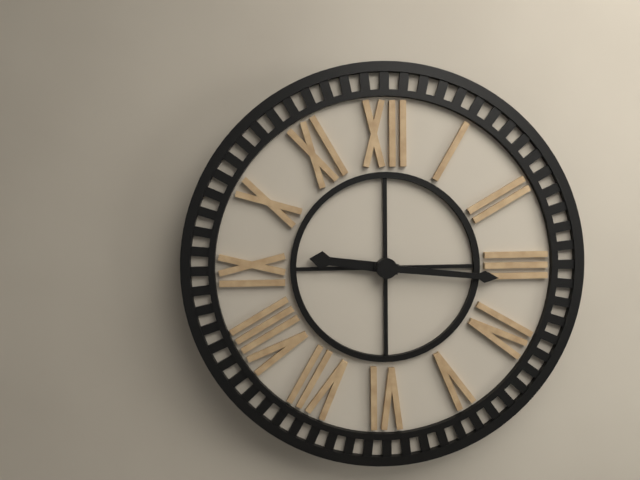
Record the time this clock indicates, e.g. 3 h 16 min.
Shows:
9 h 16 min
